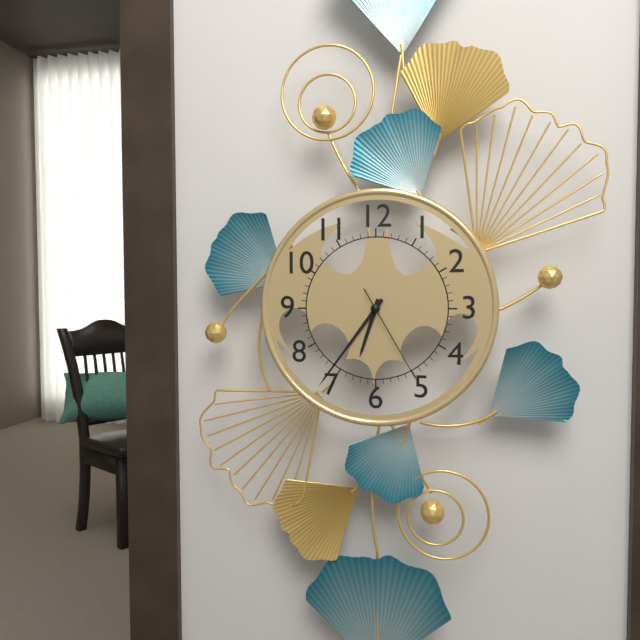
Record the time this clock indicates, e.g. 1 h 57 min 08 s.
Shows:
6 h 36 min 25 s
